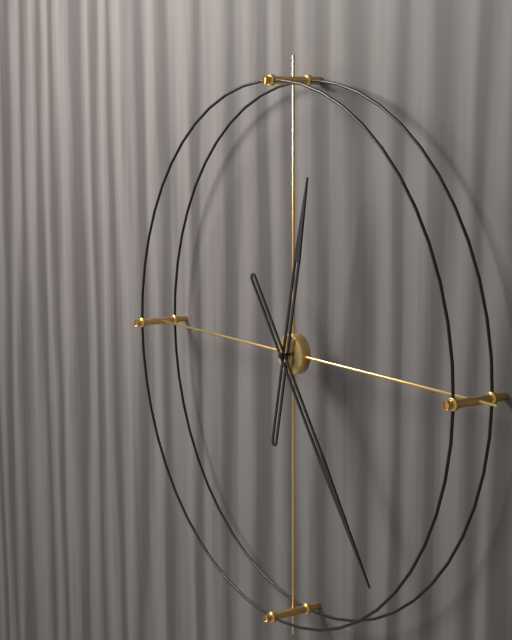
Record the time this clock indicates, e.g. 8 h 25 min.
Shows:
12 h 24 min
